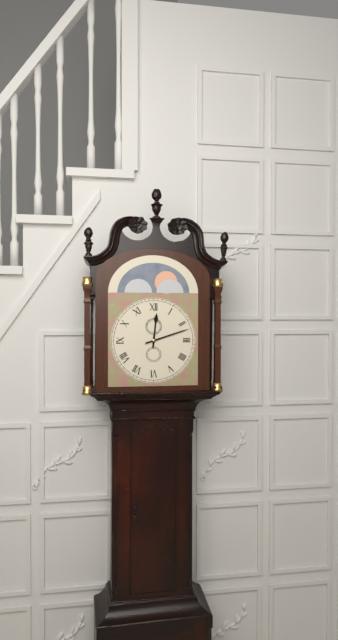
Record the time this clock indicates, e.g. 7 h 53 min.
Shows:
12 h 12 min
